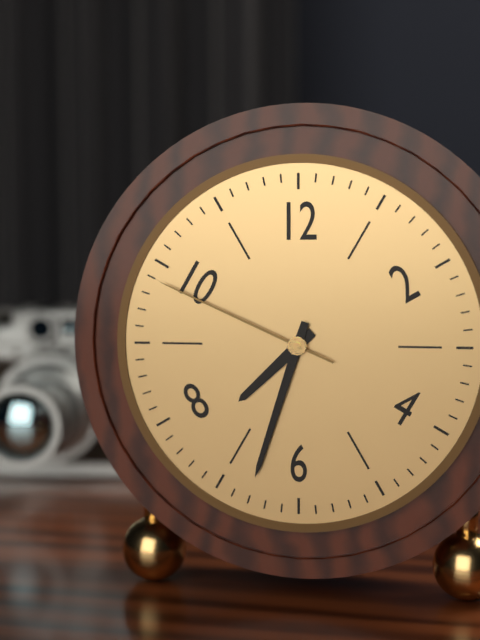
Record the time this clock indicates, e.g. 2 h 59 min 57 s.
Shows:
7 h 33 min 49 s
